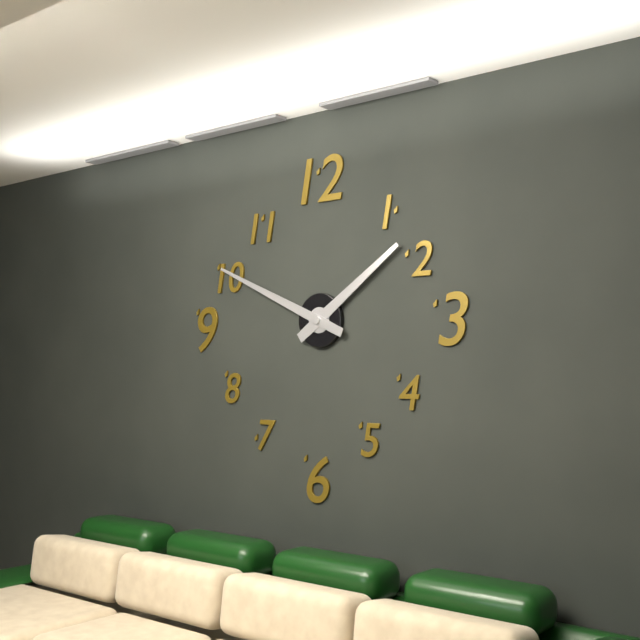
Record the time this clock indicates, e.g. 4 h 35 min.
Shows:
1 h 49 min
